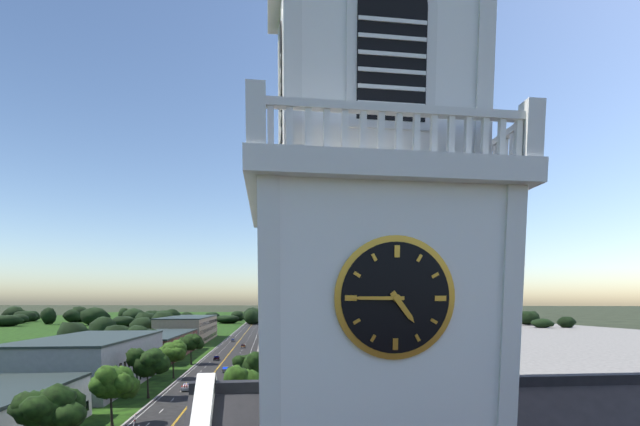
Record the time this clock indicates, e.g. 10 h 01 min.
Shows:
4 h 45 min
